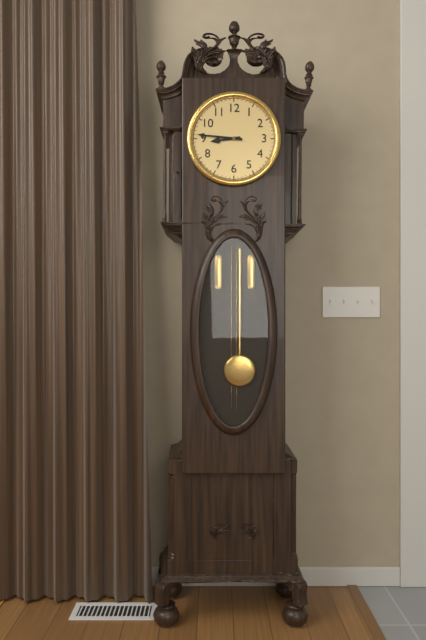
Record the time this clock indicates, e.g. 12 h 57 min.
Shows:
8 h 46 min
